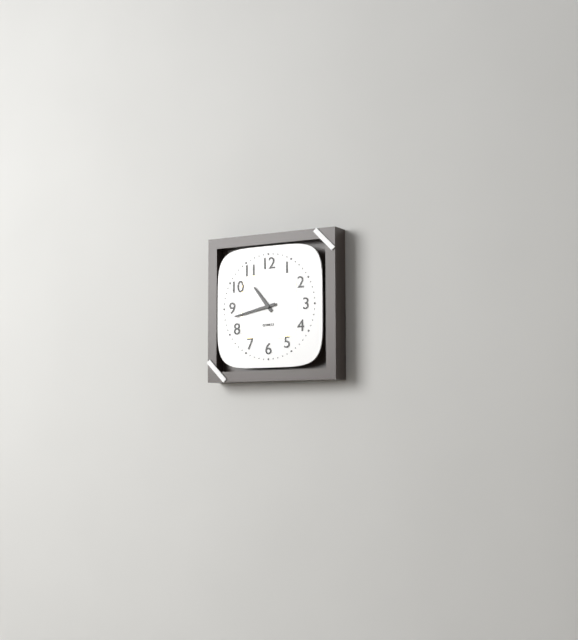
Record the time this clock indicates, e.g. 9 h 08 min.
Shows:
10 h 43 min
